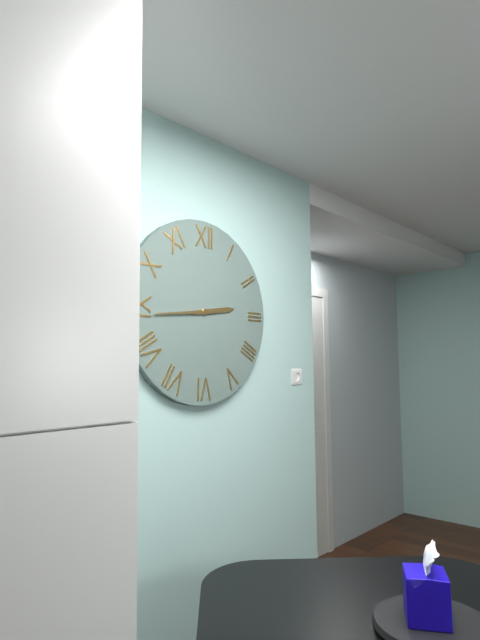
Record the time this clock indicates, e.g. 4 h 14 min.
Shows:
2 h 44 min
